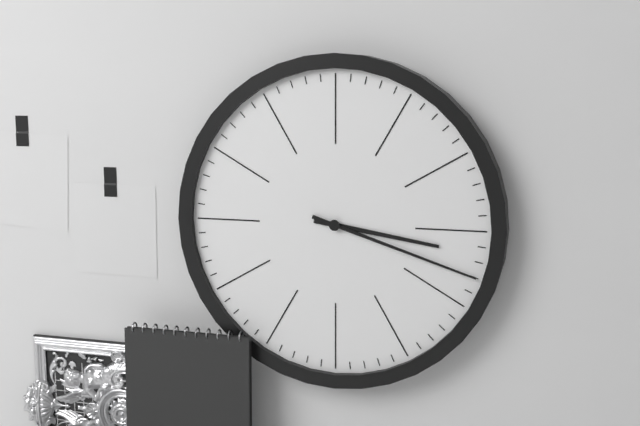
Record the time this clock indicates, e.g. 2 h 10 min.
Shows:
3 h 18 min
